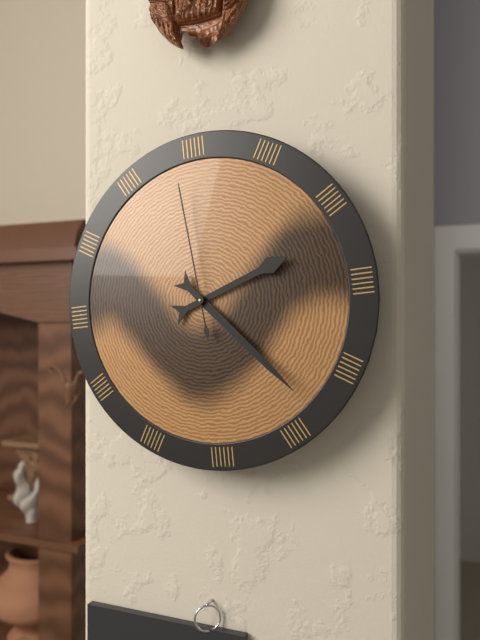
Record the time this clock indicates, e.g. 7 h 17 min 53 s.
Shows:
2 h 23 min 59 s
